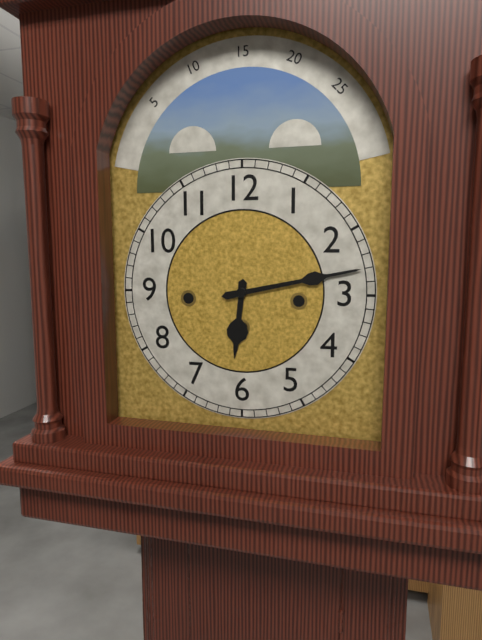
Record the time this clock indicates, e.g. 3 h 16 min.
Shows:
6 h 13 min
